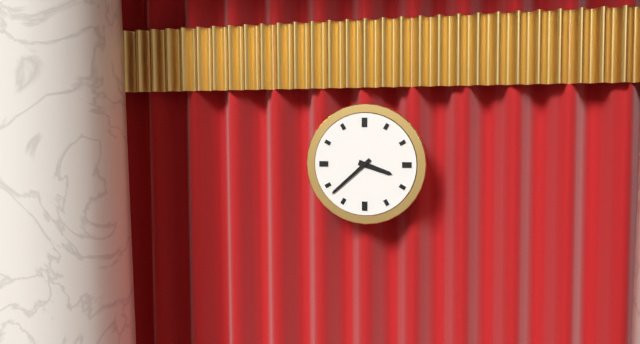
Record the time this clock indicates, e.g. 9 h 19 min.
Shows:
3 h 38 min
